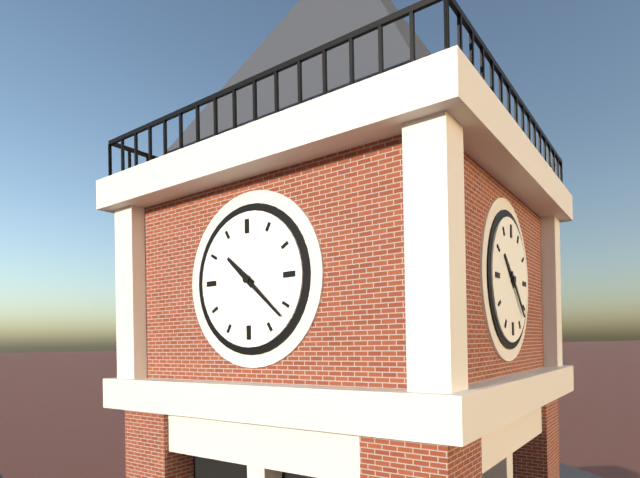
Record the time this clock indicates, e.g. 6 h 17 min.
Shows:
10 h 22 min
